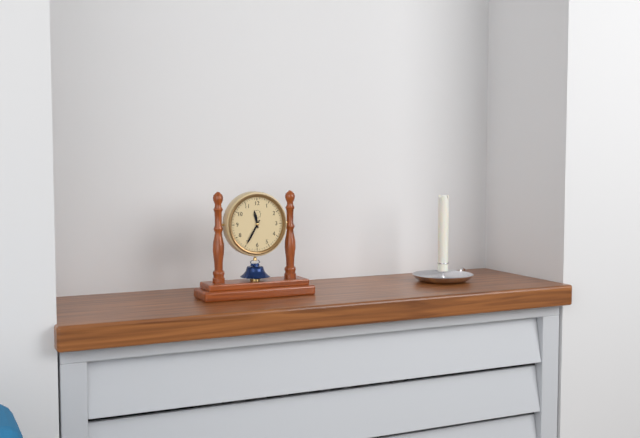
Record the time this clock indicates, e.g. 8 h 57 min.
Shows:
11 h 35 min
